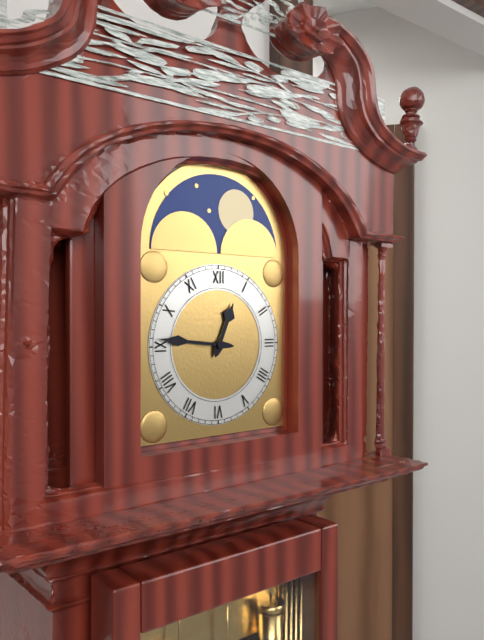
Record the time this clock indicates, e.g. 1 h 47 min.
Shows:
12 h 46 min
